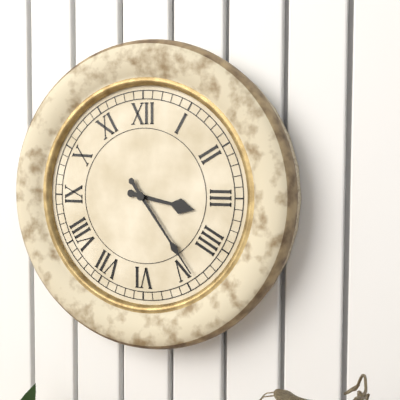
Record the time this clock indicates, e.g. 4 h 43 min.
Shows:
3 h 24 min
